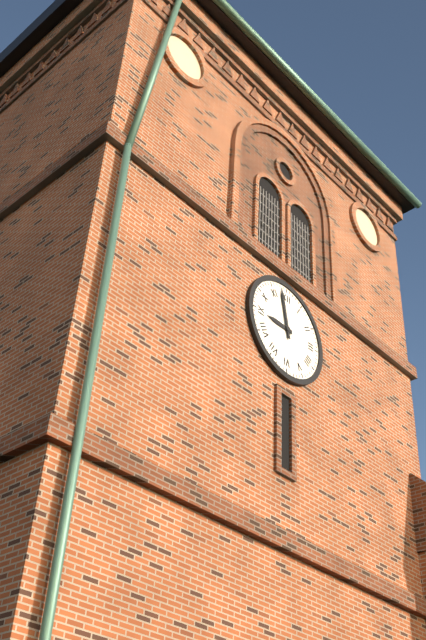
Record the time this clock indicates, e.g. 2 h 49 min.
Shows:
8 h 58 min
